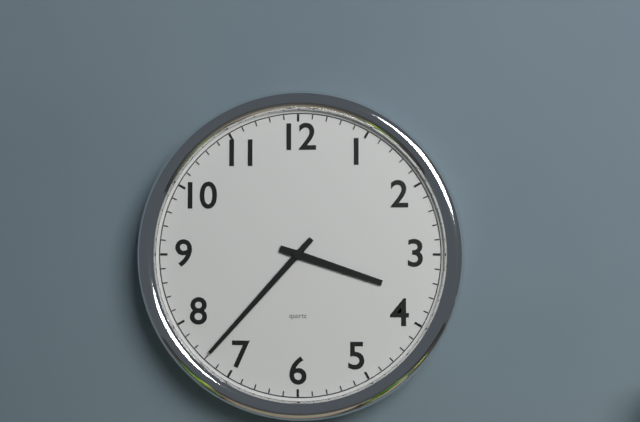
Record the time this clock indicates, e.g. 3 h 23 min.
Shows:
3 h 37 min
